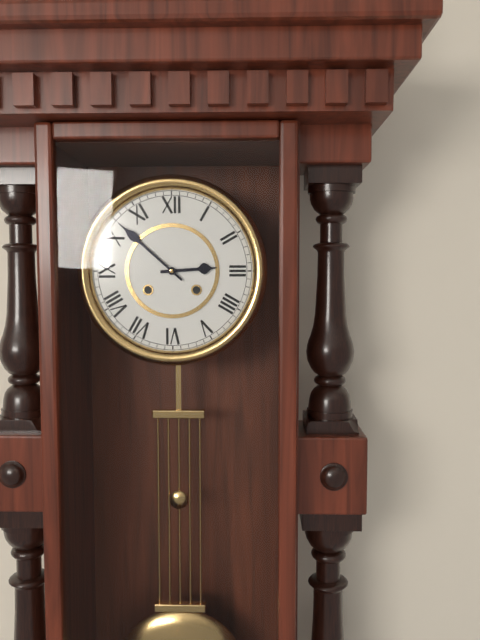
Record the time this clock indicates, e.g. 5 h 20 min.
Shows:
2 h 52 min
